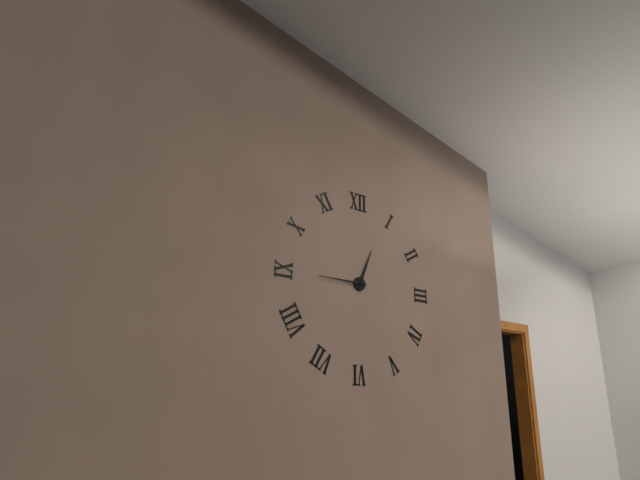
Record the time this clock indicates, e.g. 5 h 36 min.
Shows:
12 h 45 min
